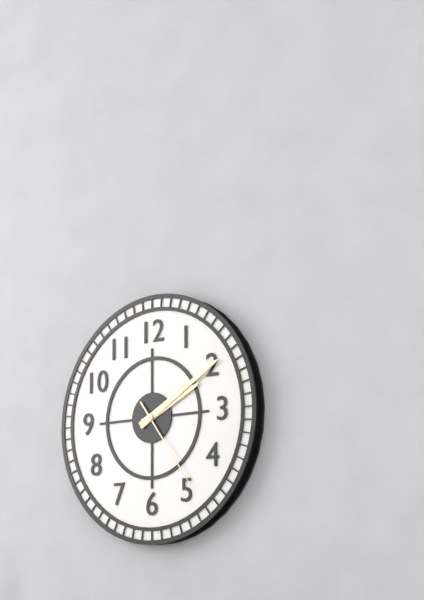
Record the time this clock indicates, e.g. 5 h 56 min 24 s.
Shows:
2 h 10 min 24 s
